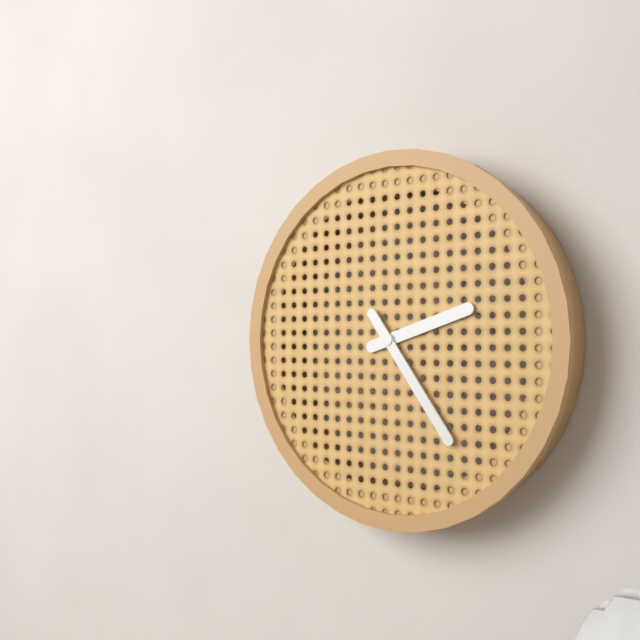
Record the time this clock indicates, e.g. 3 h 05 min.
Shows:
2 h 24 min
